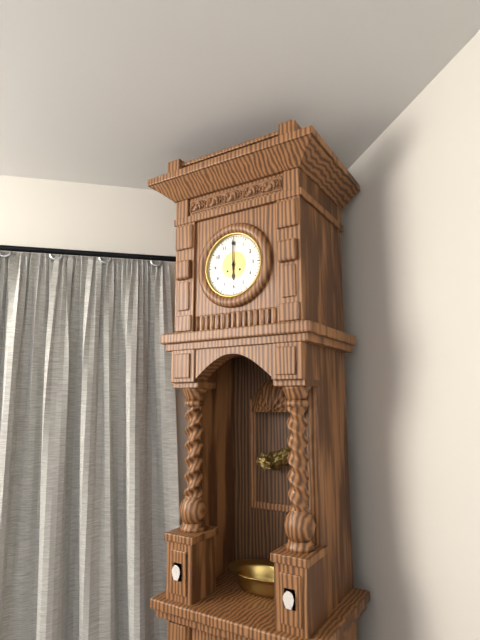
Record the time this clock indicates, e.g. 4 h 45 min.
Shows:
6 h 00 min
